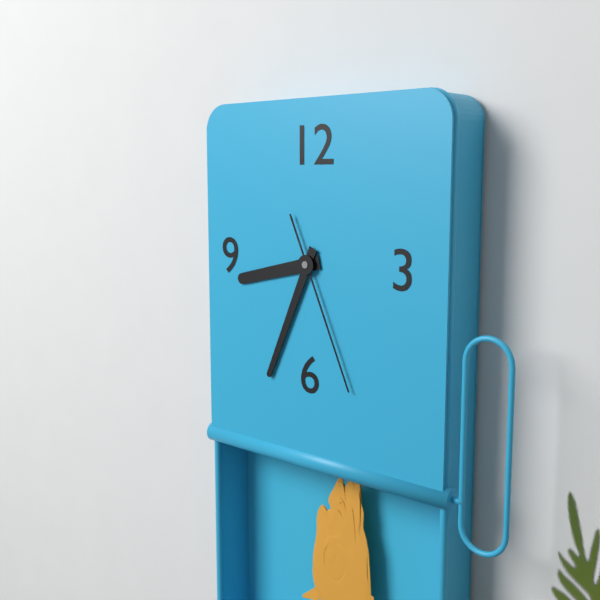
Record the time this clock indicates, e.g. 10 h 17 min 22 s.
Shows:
8 h 34 min 26 s
